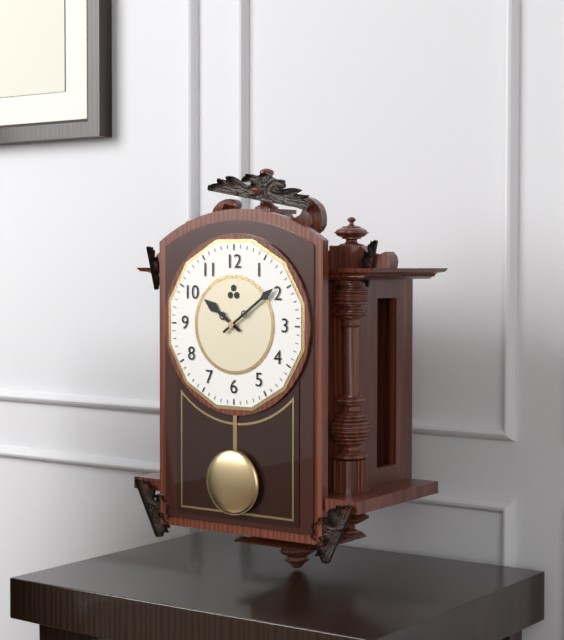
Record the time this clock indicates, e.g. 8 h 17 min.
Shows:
10 h 09 min
